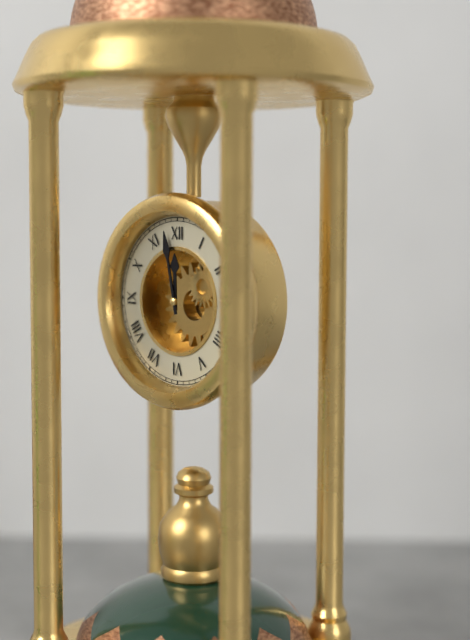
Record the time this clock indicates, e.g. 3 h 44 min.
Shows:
11 h 58 min
